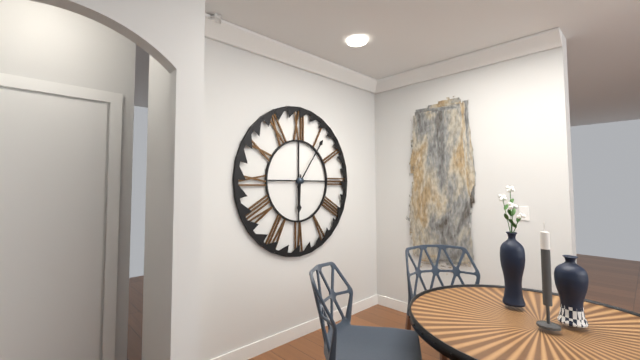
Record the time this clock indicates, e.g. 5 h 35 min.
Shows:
6 h 06 min
